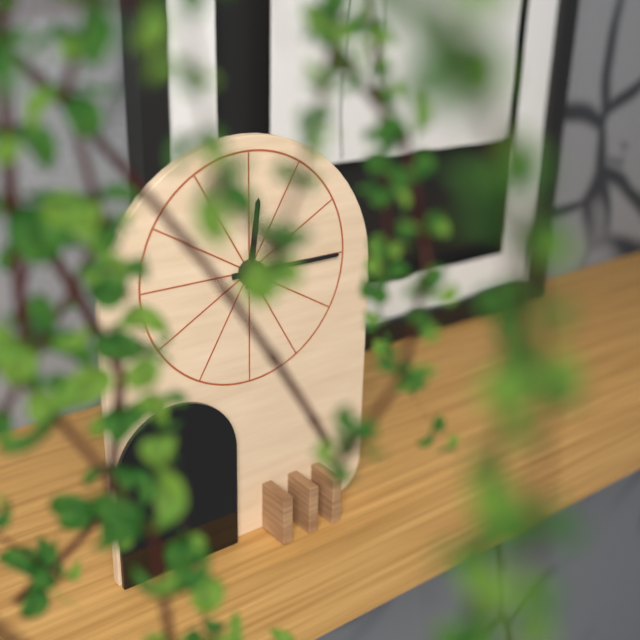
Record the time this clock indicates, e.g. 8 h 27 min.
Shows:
12 h 15 min
